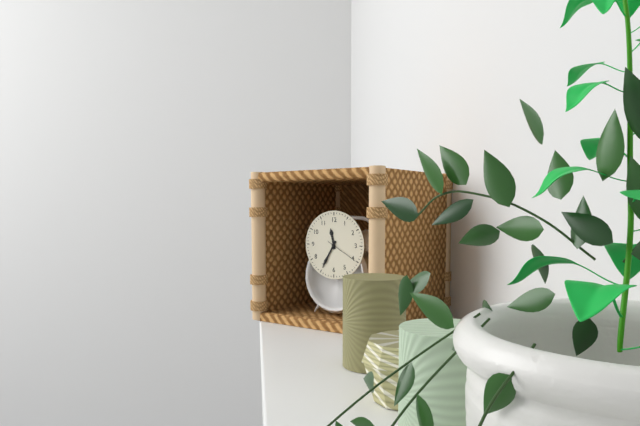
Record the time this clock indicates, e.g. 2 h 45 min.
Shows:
11 h 35 min
